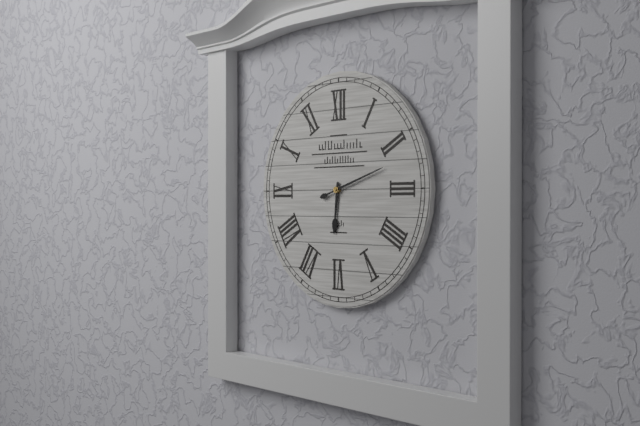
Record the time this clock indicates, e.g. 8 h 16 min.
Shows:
6 h 12 min
